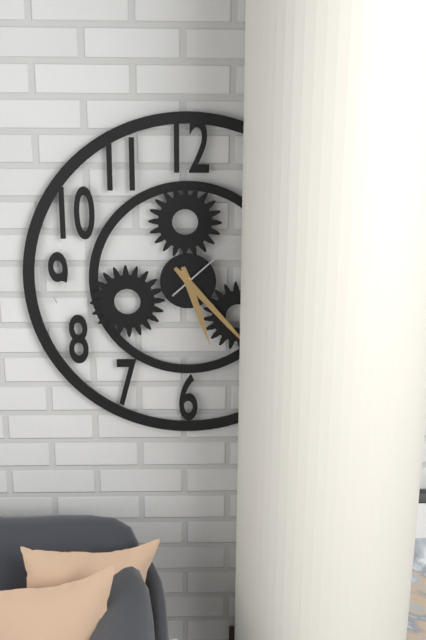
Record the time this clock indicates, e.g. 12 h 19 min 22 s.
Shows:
5 h 23 min 08 s
